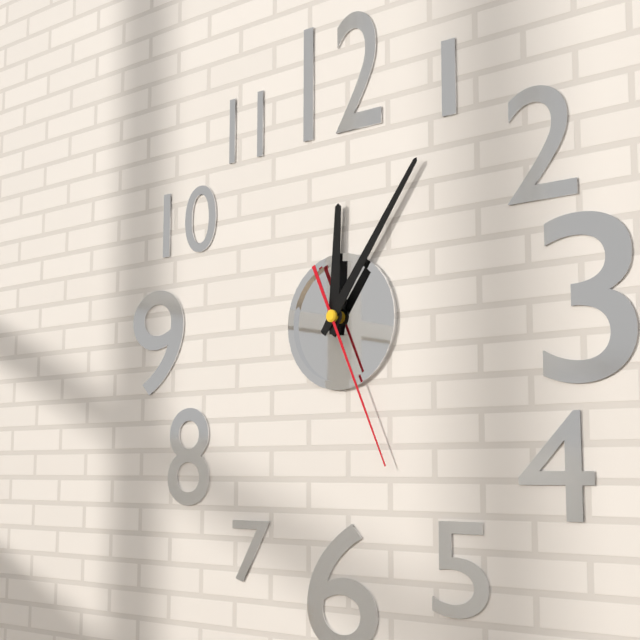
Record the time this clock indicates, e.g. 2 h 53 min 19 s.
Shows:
12 h 06 min 26 s
